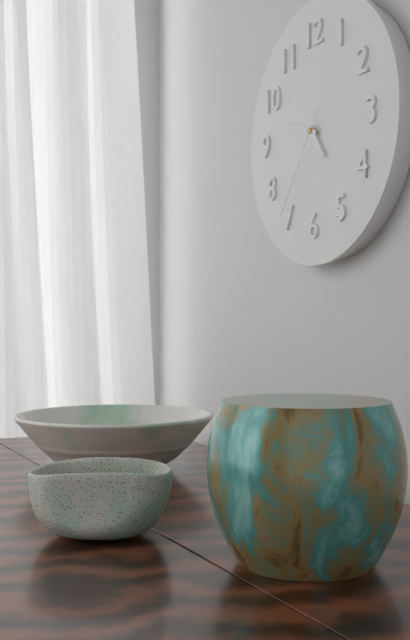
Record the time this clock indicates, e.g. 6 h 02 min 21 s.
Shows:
4 h 48 min 36 s
